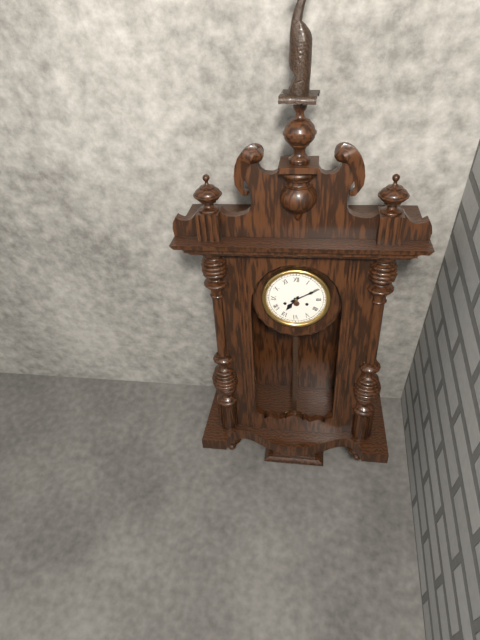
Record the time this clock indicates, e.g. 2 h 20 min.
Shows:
7 h 10 min
